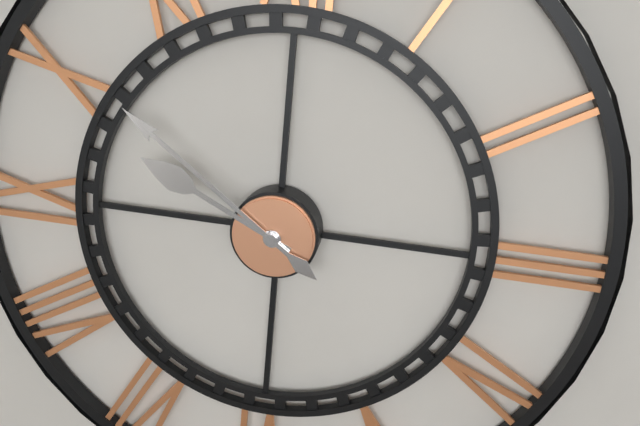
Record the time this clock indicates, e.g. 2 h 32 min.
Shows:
9 h 51 min
